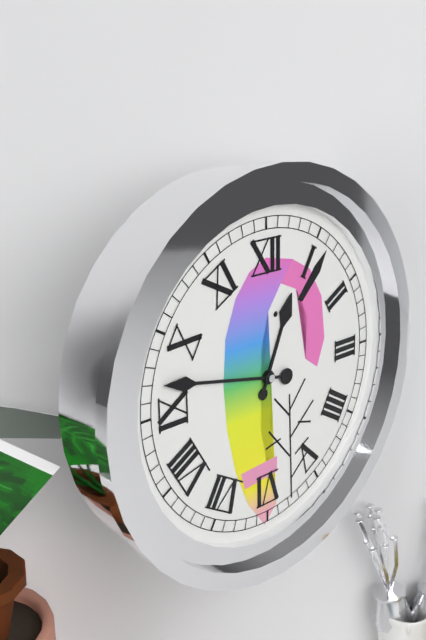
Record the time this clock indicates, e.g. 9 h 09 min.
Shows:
12 h 47 min
